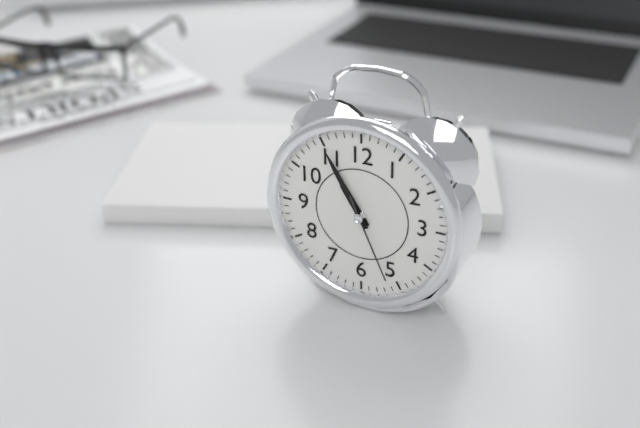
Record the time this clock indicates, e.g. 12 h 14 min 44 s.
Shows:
10 h 55 min 26 s
